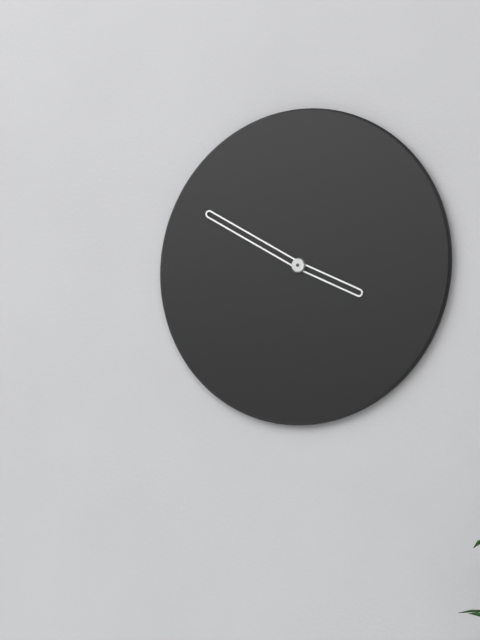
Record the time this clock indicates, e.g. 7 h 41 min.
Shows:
3 h 50 min
